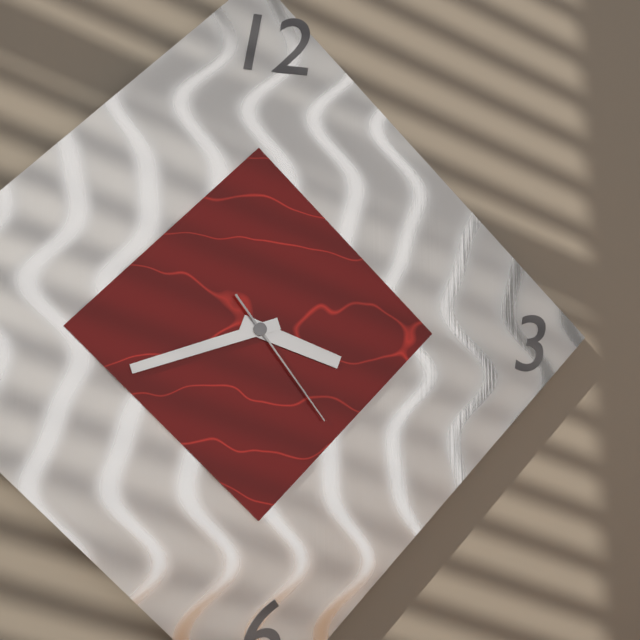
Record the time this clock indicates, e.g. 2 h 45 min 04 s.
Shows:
3 h 42 min 24 s
